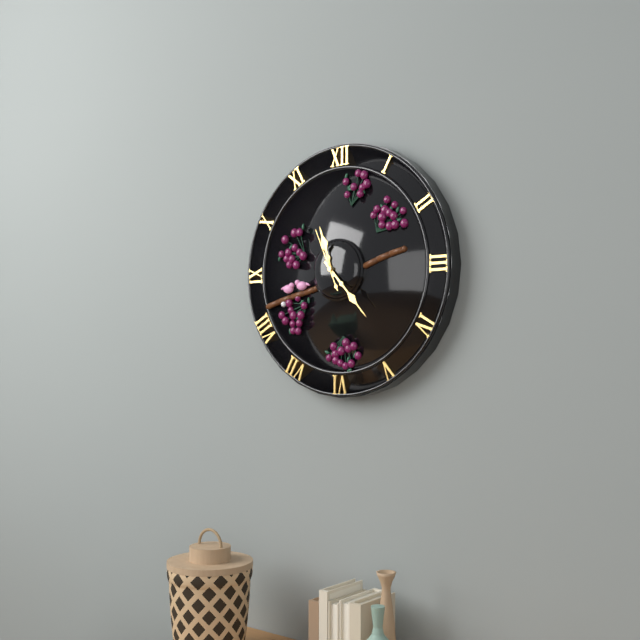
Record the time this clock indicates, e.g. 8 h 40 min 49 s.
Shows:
11 h 23 min 56 s
